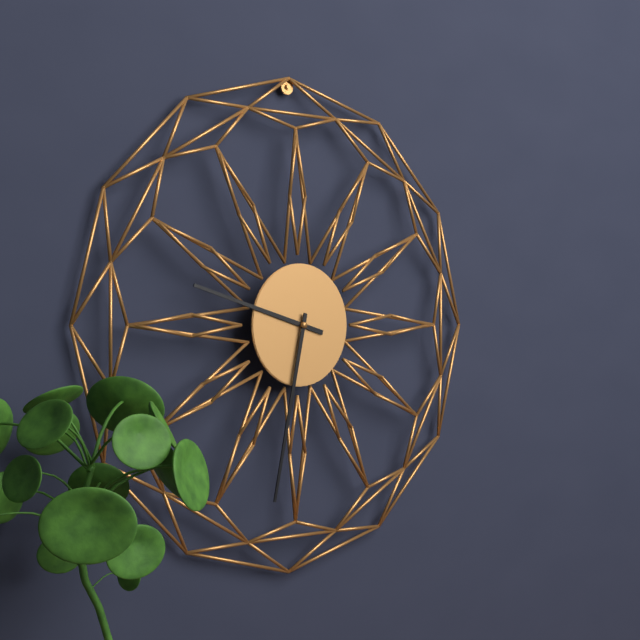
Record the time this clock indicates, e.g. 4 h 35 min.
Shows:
9 h 32 min
